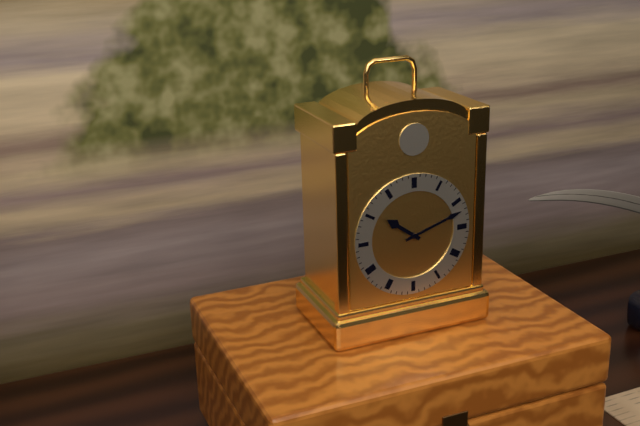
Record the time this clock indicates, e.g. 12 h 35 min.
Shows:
10 h 12 min
